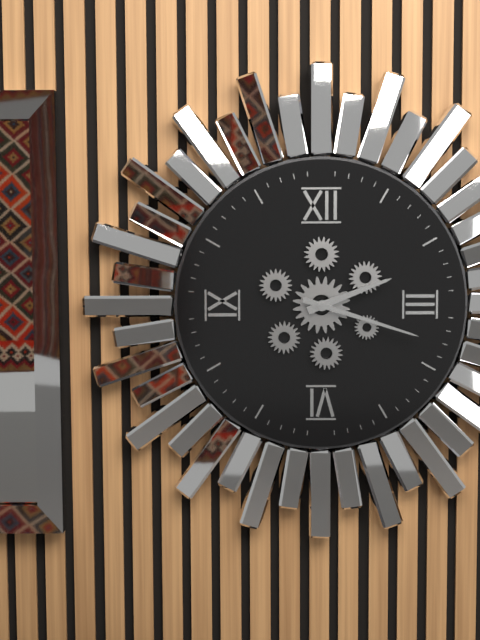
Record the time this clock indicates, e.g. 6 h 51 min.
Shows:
2 h 18 min
